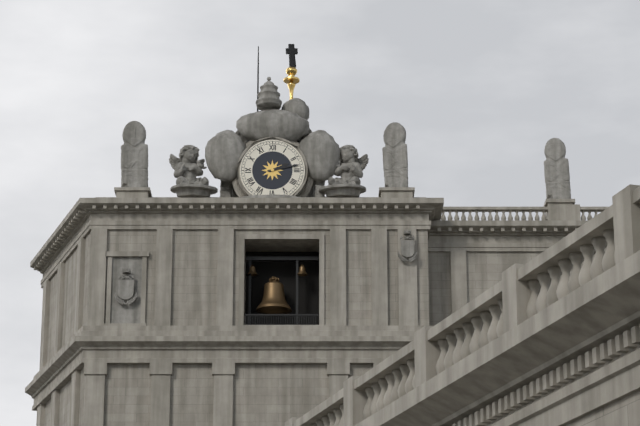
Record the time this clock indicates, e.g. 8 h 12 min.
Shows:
2 h 13 min
